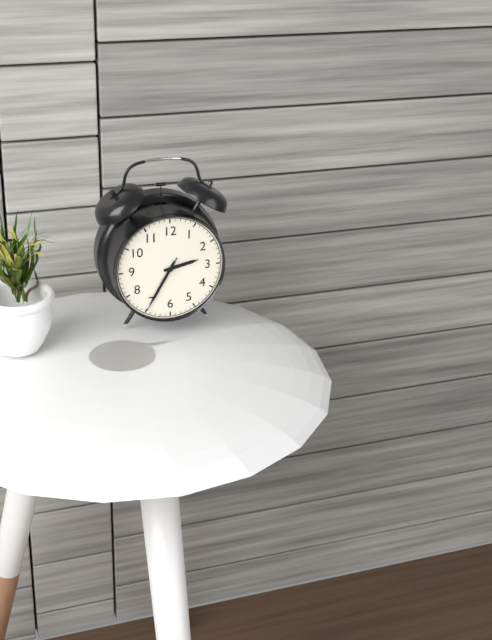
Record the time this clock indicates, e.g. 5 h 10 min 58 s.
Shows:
2 h 35 min 35 s
